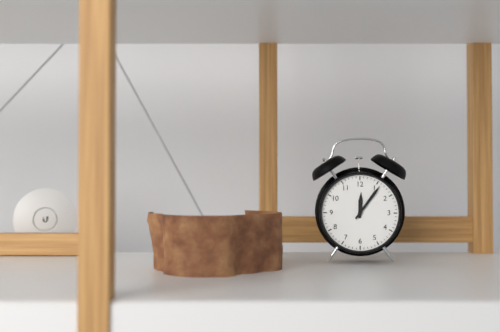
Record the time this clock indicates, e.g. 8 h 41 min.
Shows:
12 h 06 min
